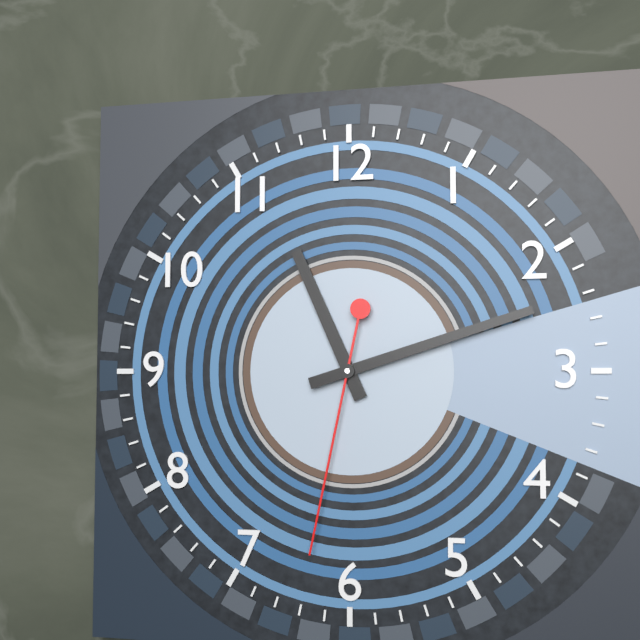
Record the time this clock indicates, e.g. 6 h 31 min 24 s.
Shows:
11 h 12 min 32 s
